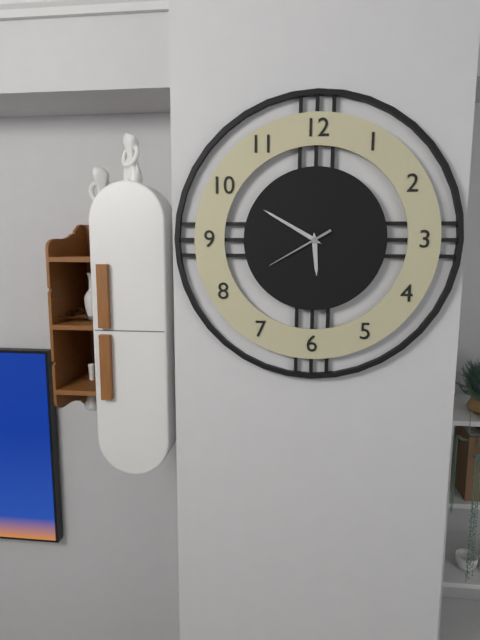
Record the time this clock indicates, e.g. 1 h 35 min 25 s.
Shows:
5 h 50 min 40 s
